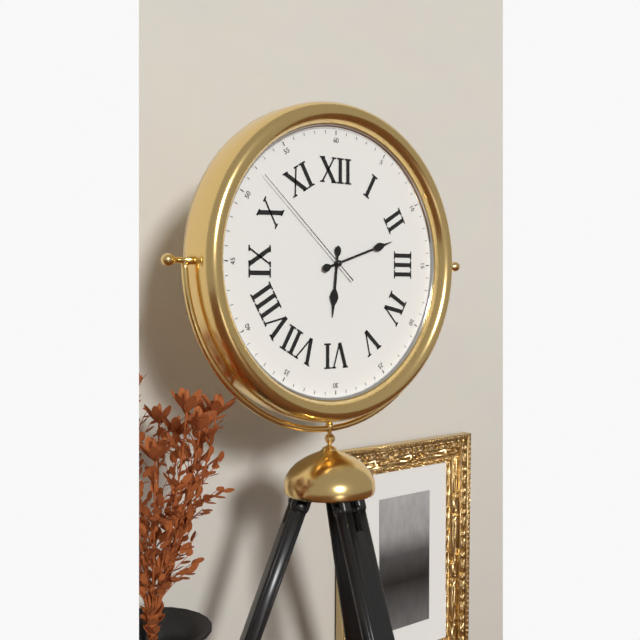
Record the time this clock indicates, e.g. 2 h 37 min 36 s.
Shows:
6 h 12 min 52 s
